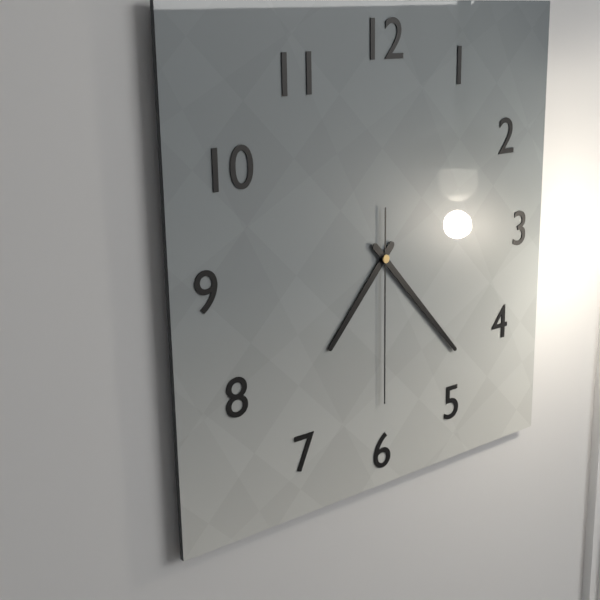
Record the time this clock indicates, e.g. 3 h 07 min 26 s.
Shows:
7 h 23 min 30 s
